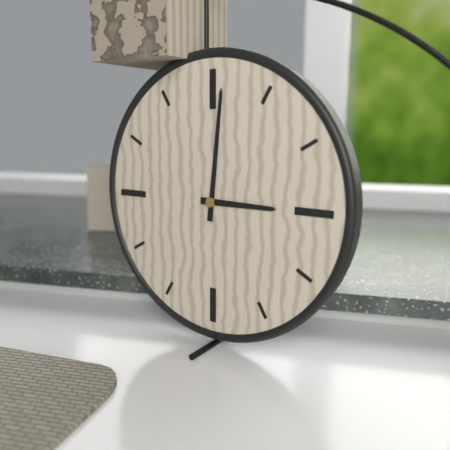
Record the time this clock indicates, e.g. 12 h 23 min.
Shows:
3 h 01 min
